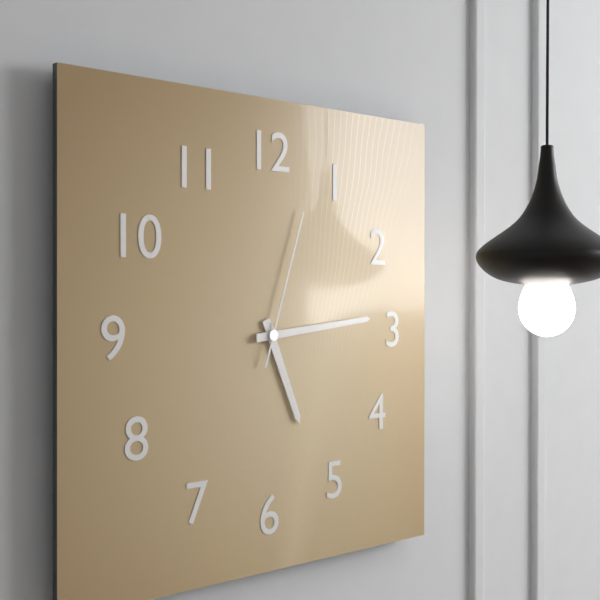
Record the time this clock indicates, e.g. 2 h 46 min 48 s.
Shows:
5 h 14 min 03 s
